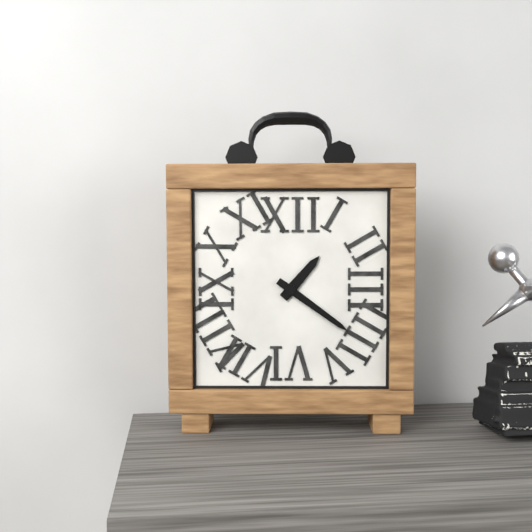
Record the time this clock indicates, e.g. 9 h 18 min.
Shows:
1 h 21 min
